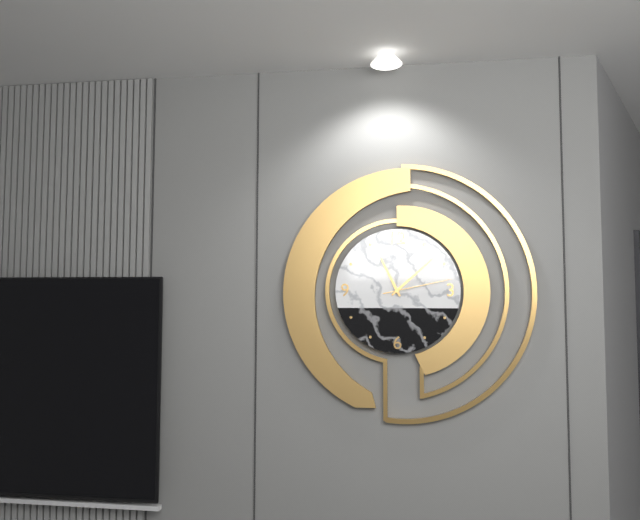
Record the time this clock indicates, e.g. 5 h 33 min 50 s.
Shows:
11 h 08 min 13 s
